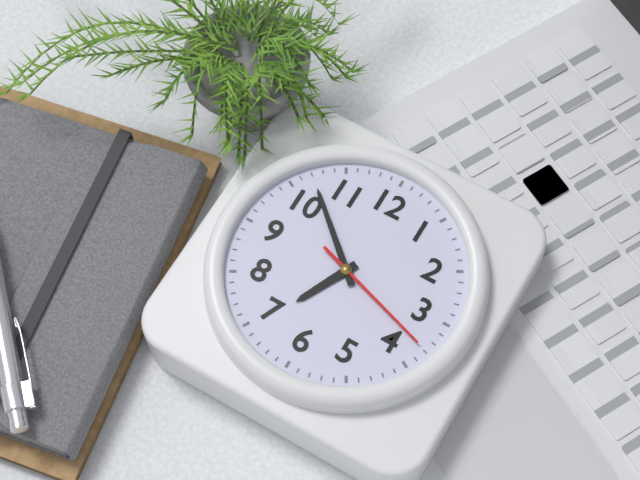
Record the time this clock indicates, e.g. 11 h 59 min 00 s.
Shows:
6 h 52 min 18 s
